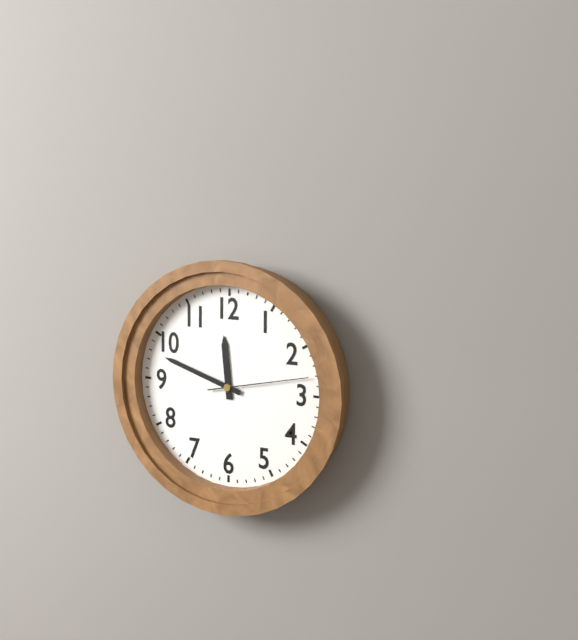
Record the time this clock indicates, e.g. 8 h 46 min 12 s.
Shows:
11 h 48 min 13 s
